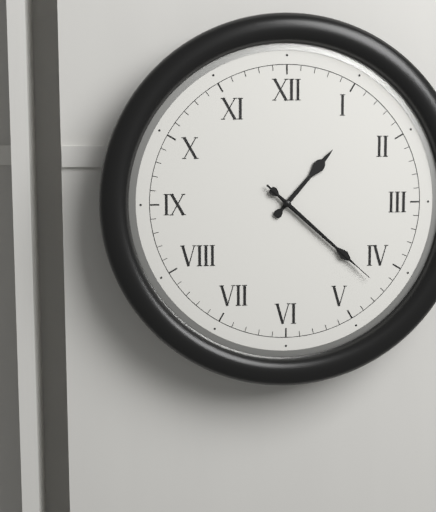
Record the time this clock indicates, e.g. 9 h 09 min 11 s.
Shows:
1 h 22 min 22 s
